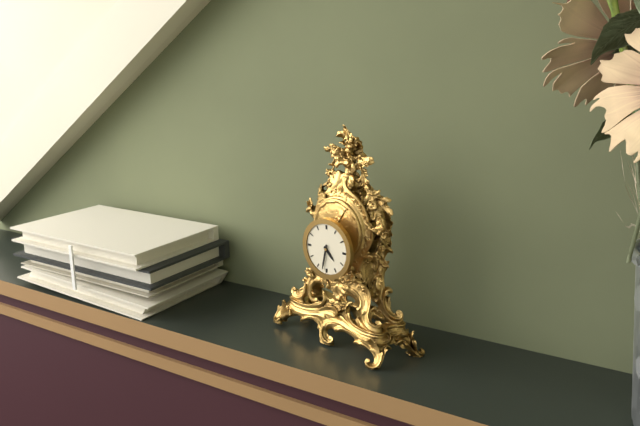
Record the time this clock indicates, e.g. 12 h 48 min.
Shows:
4 h 32 min
